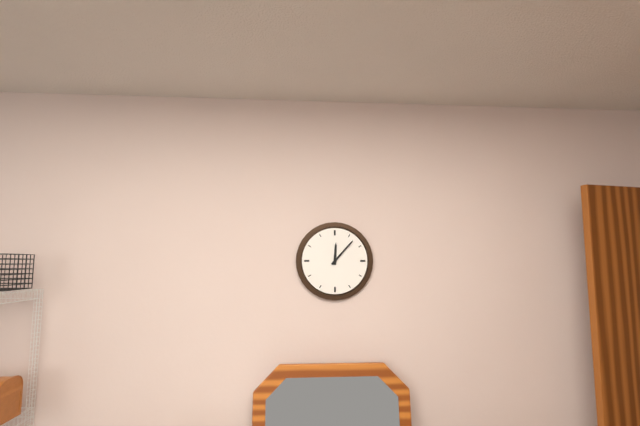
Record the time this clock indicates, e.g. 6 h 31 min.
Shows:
12 h 07 min
